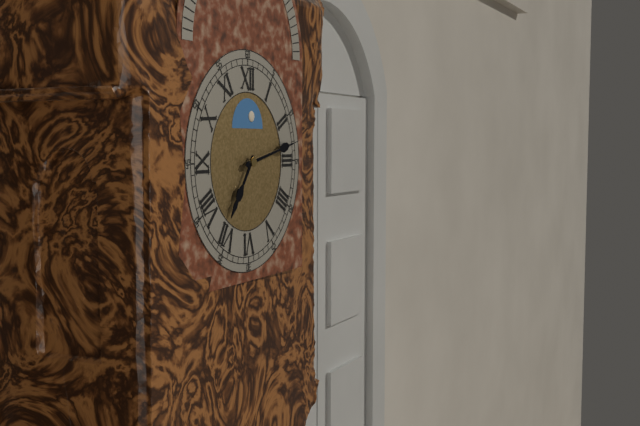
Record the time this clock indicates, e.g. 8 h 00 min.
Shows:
7 h 13 min
